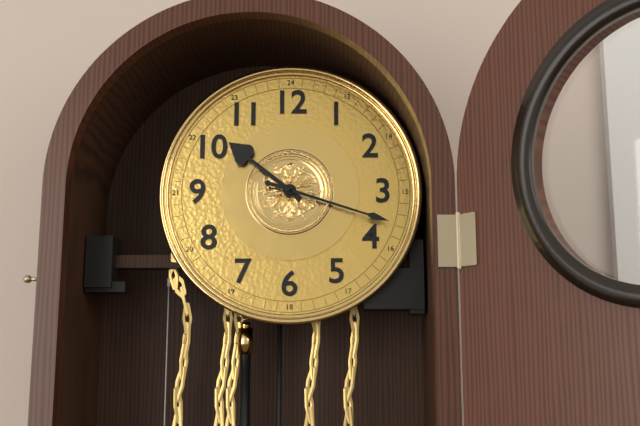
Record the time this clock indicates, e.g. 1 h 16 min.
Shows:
10 h 18 min
